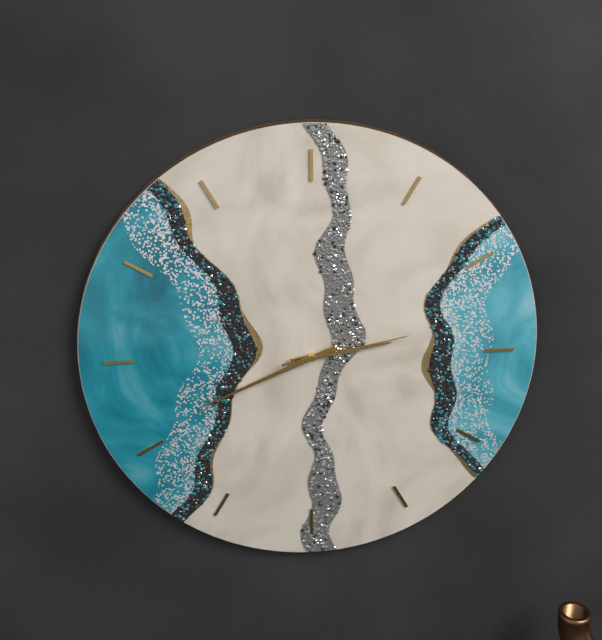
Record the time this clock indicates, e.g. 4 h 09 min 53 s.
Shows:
2 h 41 min 13 s
